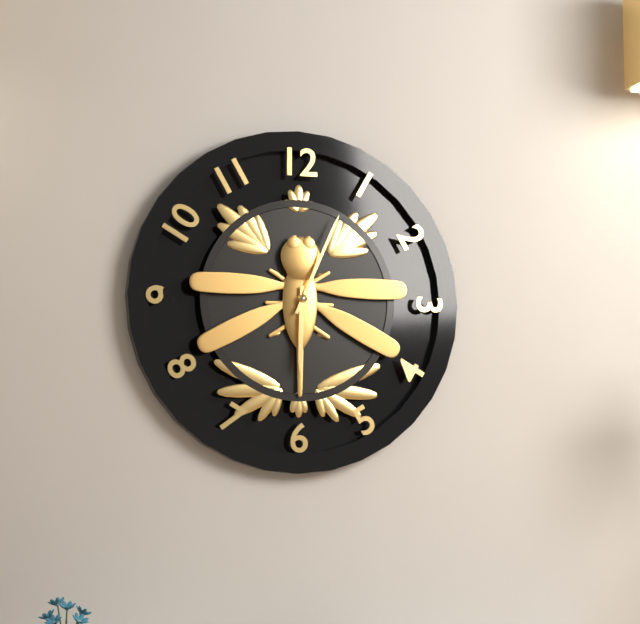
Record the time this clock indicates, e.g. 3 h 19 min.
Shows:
6 h 04 min
